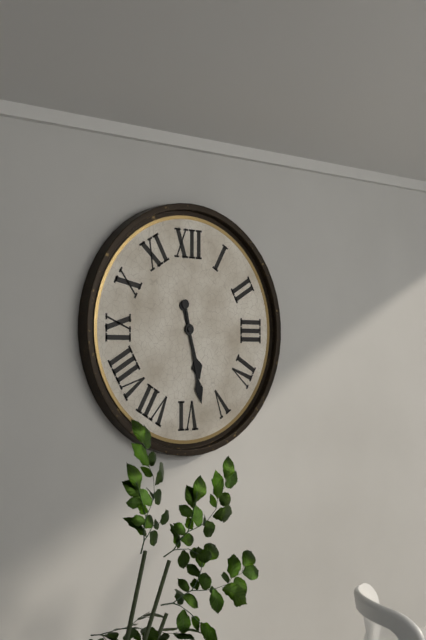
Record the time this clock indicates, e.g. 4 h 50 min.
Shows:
5 h 28 min
